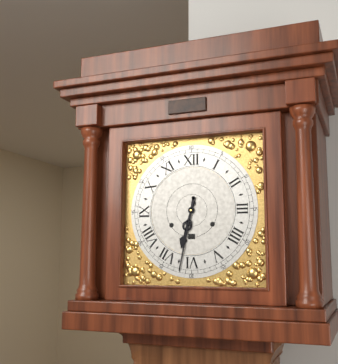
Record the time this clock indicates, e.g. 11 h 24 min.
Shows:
6 h 32 min
